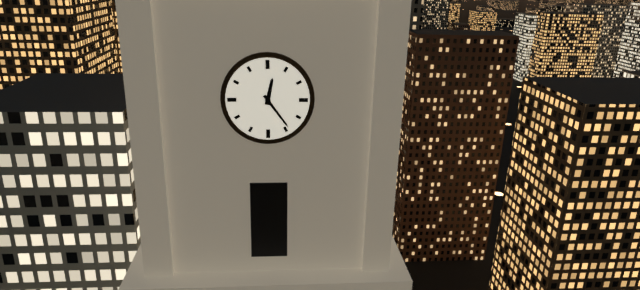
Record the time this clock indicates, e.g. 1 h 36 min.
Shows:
12 h 24 min
